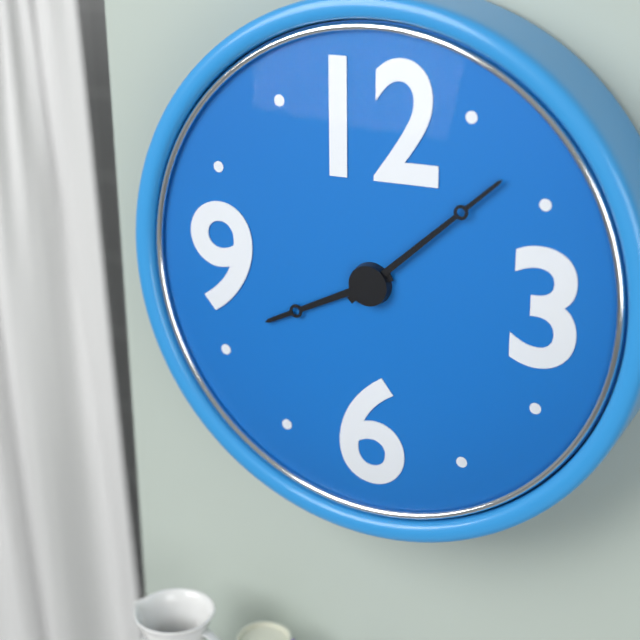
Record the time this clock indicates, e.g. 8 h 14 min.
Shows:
8 h 08 min
